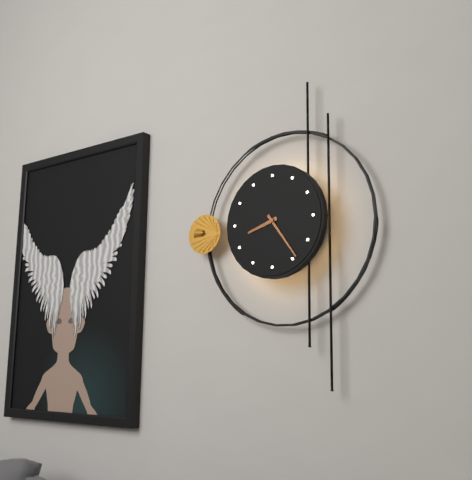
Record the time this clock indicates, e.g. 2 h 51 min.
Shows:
8 h 24 min
